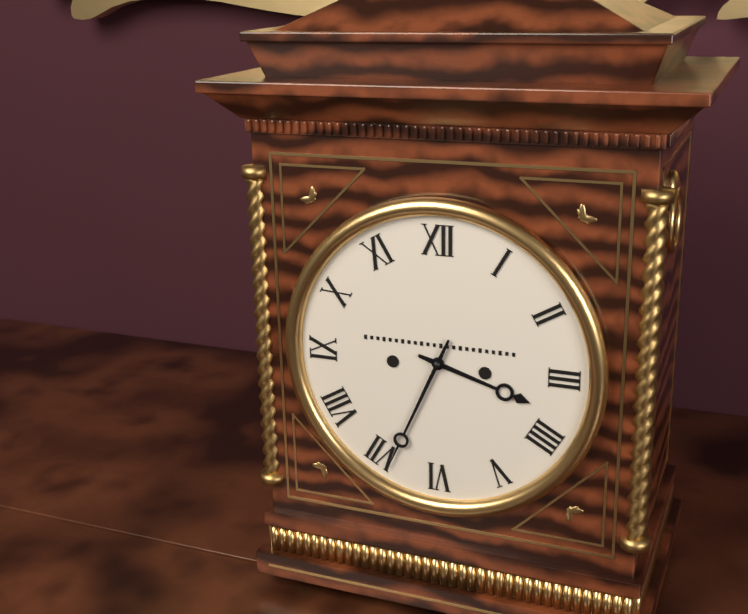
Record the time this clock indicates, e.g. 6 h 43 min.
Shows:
3 h 34 min
